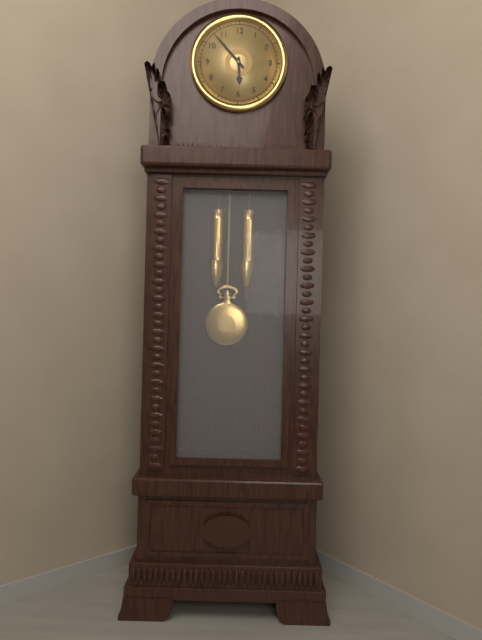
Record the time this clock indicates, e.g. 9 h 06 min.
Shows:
5 h 53 min
